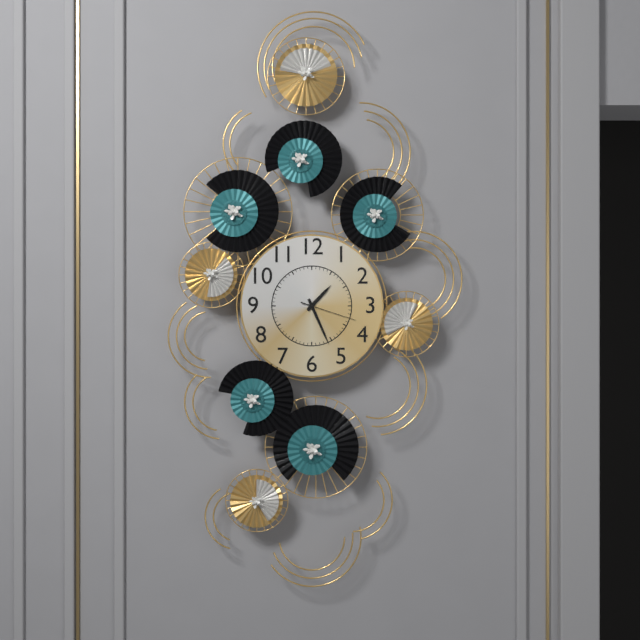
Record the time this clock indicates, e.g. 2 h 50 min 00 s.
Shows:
1 h 26 min 18 s
